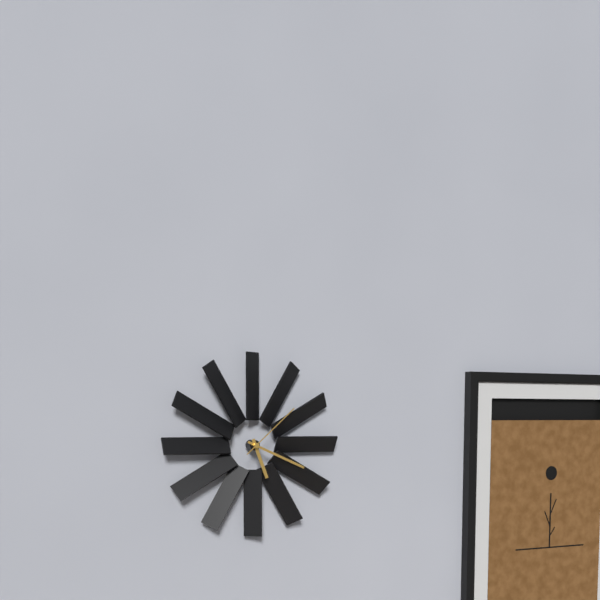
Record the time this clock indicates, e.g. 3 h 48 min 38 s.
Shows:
5 h 19 min 08 s
